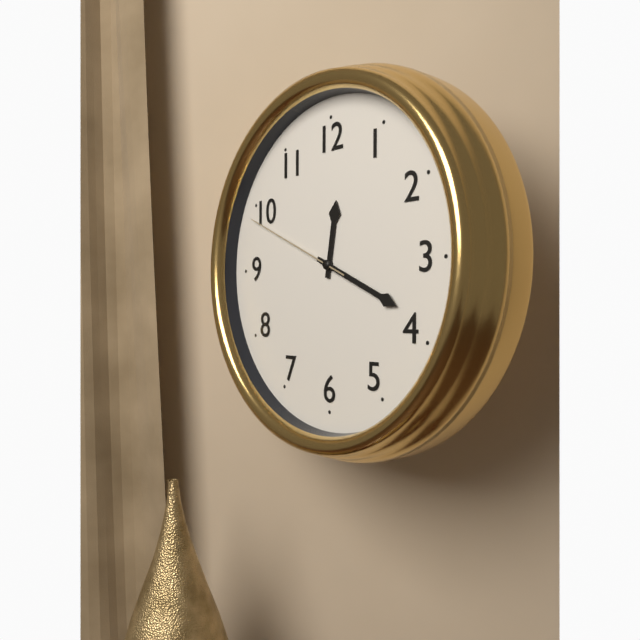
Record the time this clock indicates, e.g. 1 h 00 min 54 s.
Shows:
12 h 19 min 49 s
